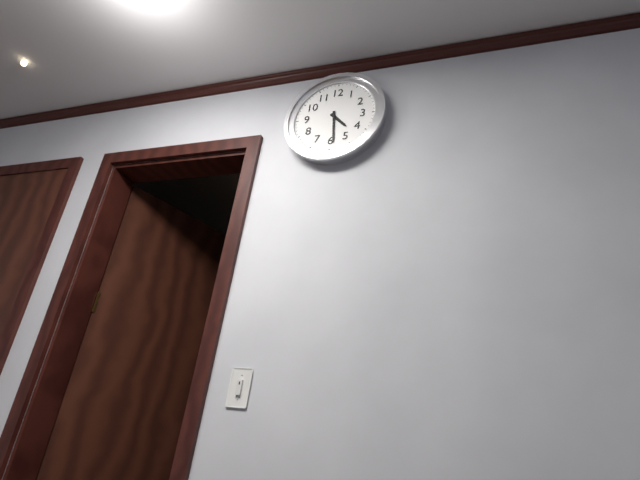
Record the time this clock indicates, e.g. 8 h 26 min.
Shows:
4 h 29 min
